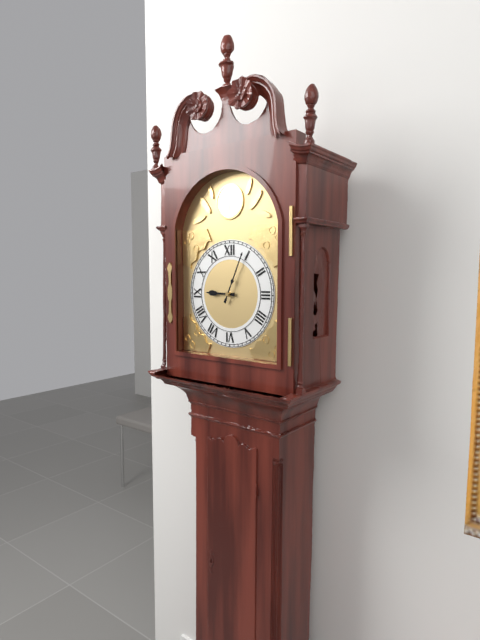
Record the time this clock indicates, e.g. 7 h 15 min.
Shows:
9 h 04 min
